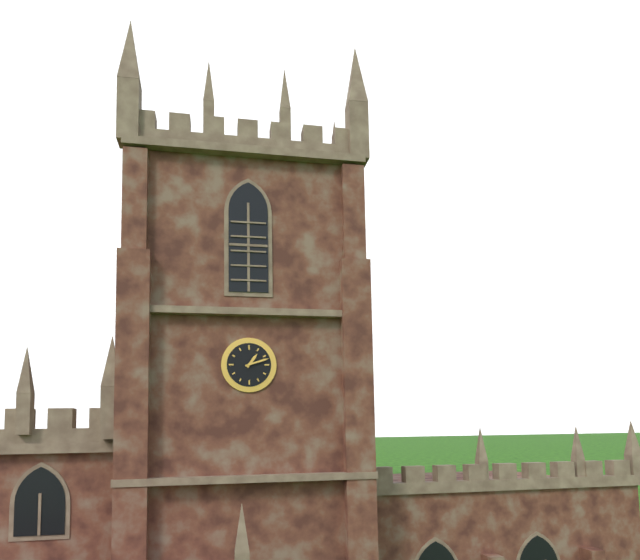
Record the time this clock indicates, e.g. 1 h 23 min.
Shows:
1 h 12 min
